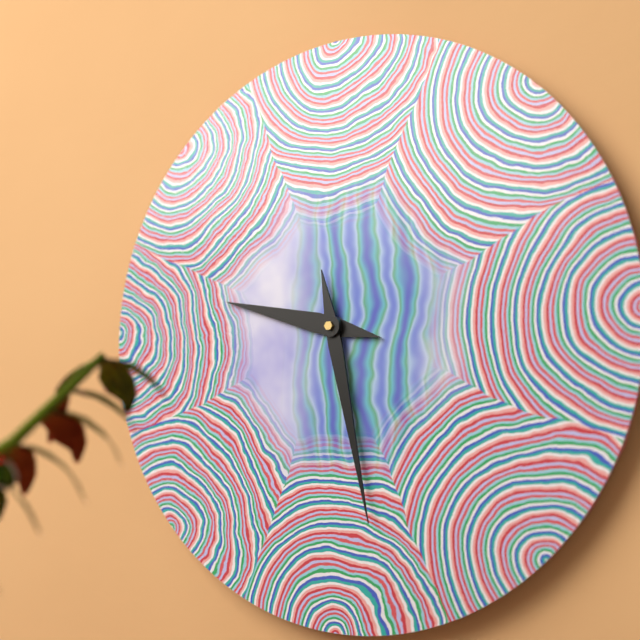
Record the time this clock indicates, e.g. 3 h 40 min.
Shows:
9 h 28 min
